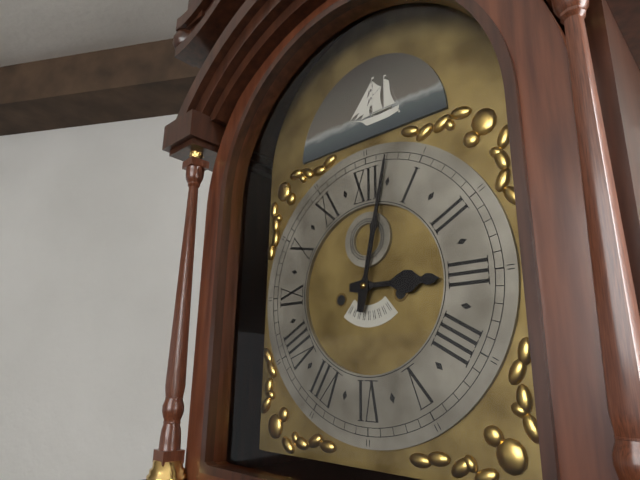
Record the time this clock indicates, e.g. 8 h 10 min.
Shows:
3 h 02 min
